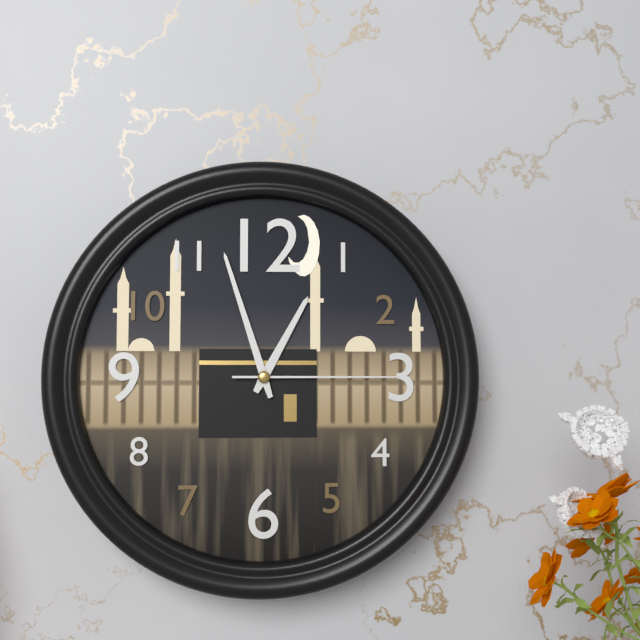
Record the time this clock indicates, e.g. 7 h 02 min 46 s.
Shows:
12 h 57 min 15 s
